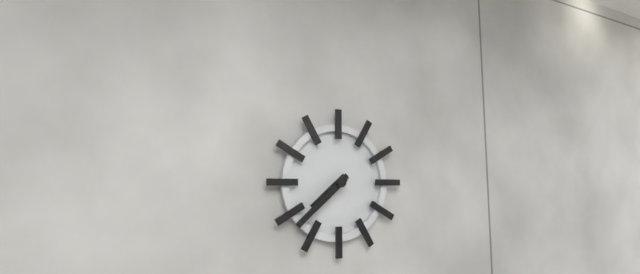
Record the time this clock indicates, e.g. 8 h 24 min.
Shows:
7 h 38 min
